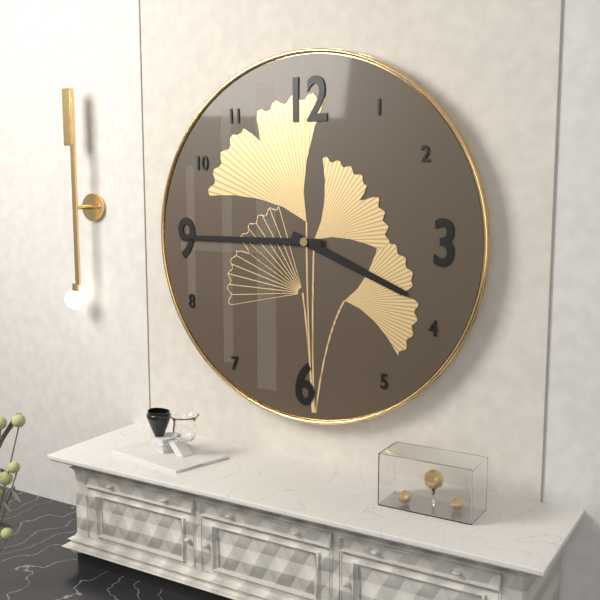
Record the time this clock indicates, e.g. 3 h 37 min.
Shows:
3 h 45 min
